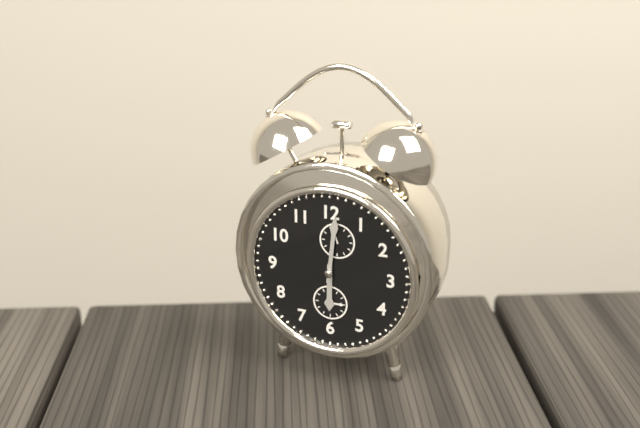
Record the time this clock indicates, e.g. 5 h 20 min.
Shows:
6 h 01 min
